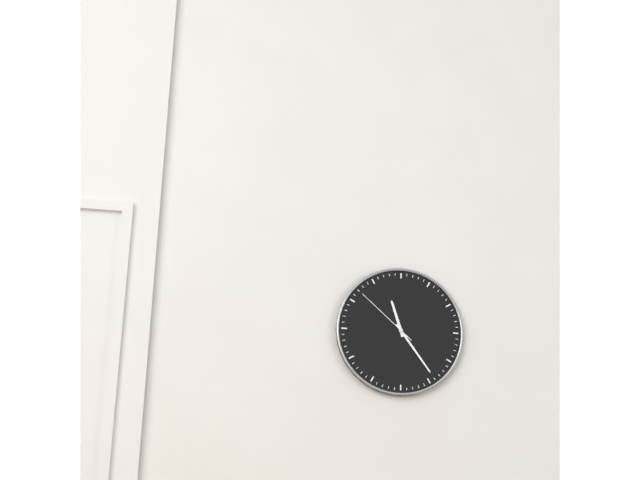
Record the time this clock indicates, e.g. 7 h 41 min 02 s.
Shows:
11 h 24 min 52 s
